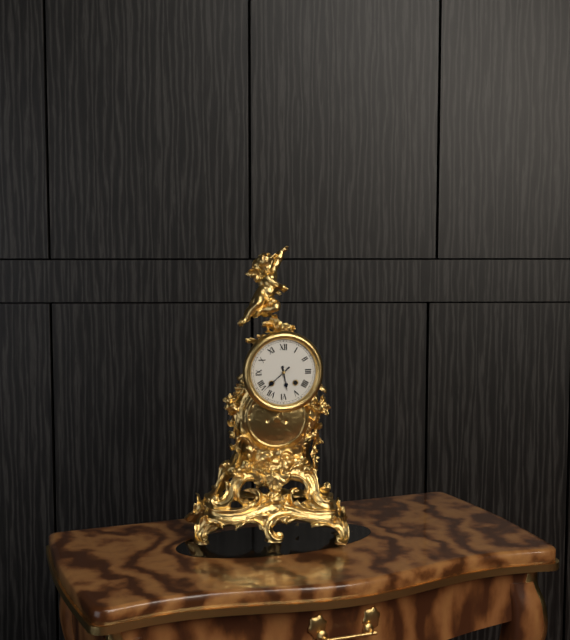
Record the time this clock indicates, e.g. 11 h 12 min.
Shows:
5 h 38 min
